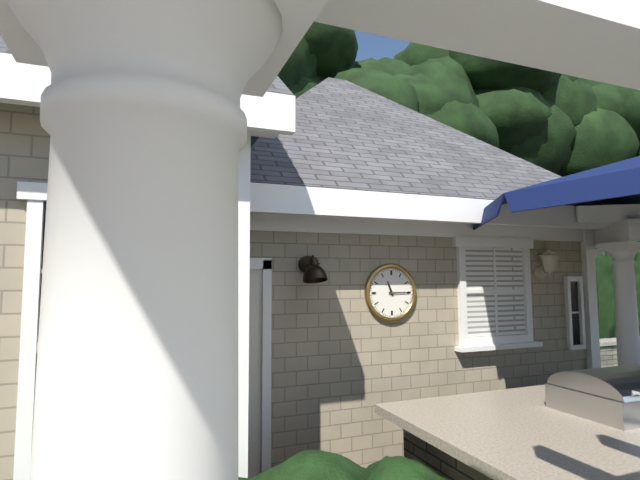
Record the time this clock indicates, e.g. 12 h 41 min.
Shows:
11 h 15 min
